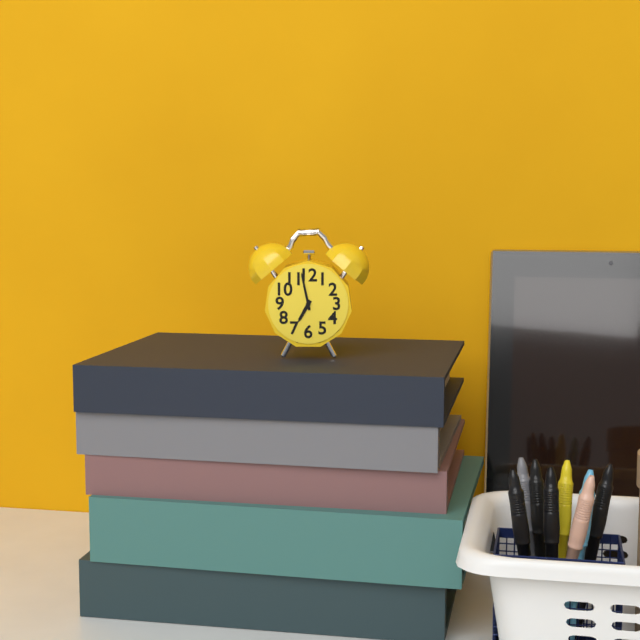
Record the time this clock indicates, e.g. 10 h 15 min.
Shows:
6 h 58 min
